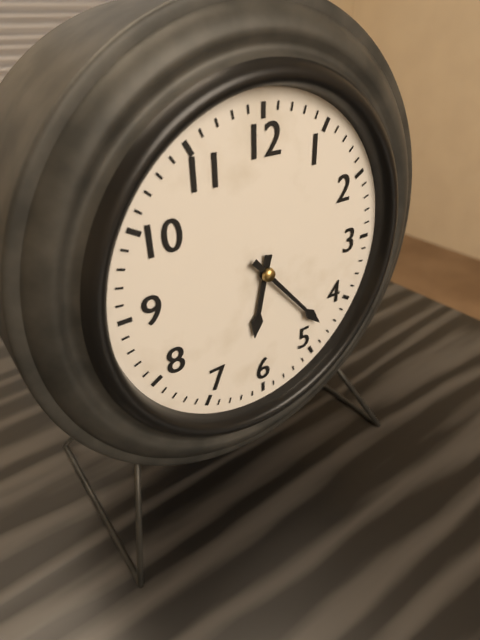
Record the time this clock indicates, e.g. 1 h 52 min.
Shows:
6 h 23 min
